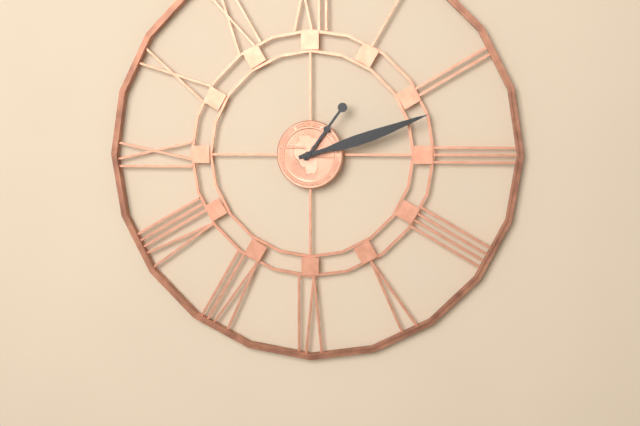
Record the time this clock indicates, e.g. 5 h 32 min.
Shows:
1 h 12 min
